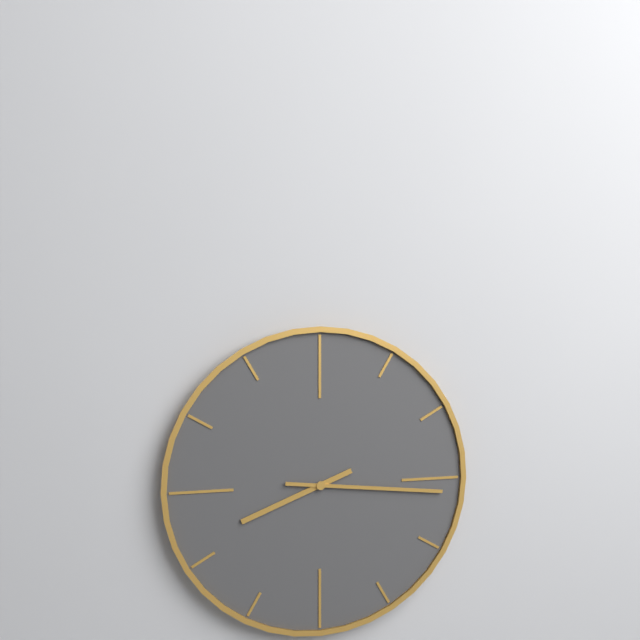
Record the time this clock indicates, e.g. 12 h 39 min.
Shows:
8 h 16 min
